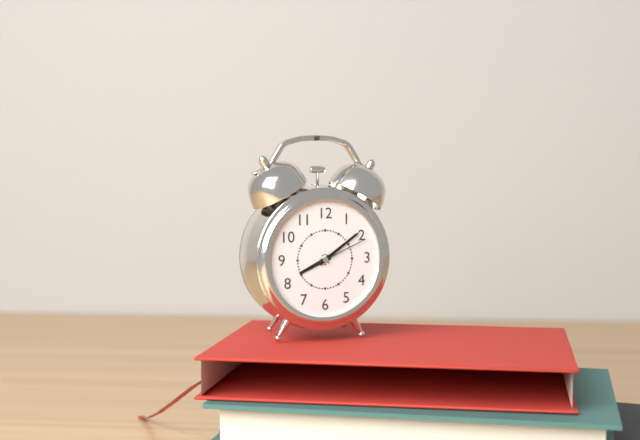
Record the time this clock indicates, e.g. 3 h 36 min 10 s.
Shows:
8 h 09 min 11 s
